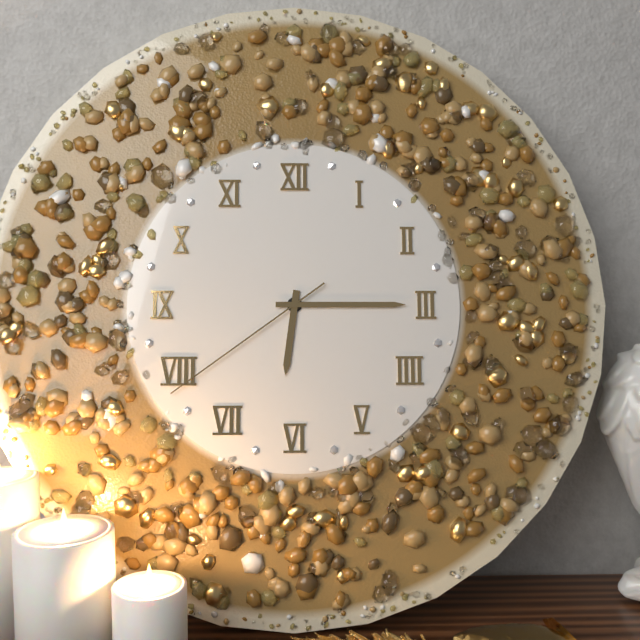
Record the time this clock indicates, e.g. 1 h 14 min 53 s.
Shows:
6 h 15 min 39 s
